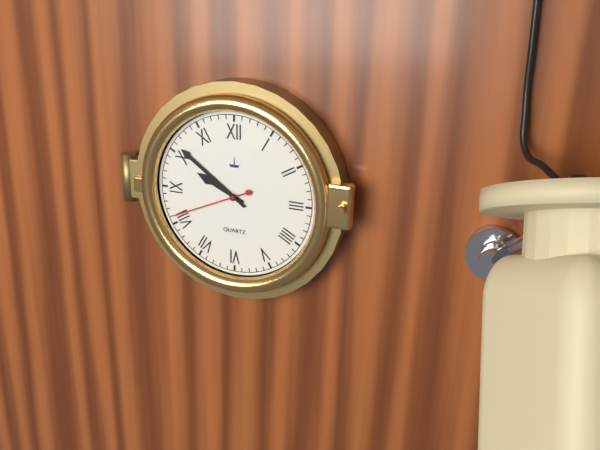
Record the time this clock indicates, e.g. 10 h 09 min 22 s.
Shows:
9 h 51 min 41 s
